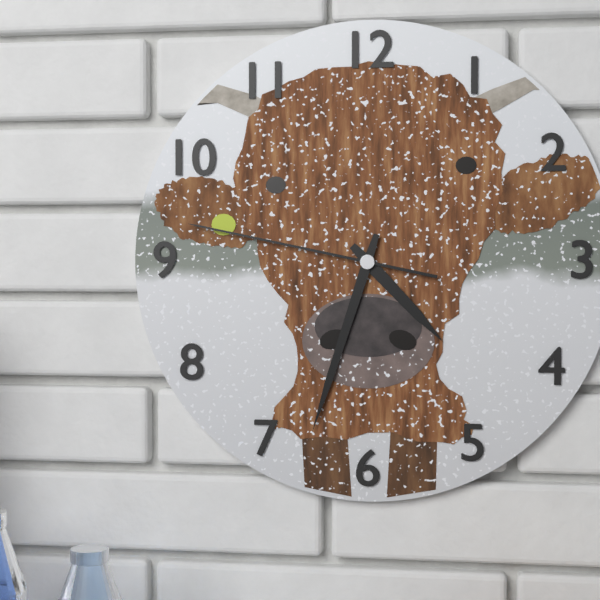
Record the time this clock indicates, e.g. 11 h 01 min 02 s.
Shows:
4 h 33 min 47 s
